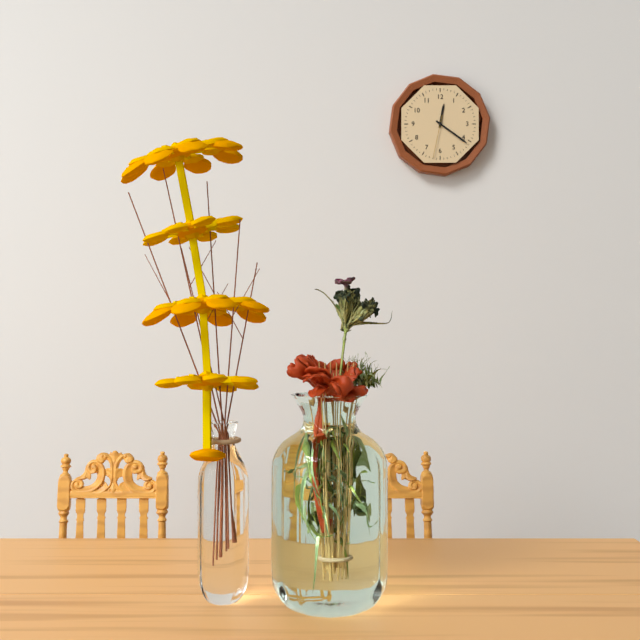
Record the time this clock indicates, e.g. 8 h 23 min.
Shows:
12 h 21 min
